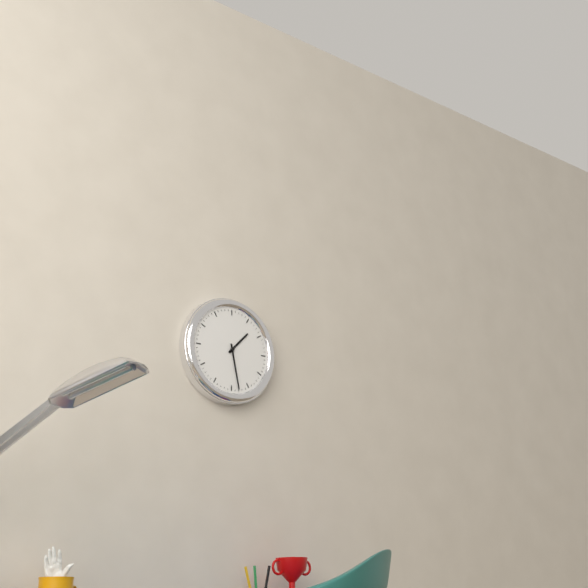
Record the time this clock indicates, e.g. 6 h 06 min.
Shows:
1 h 28 min
